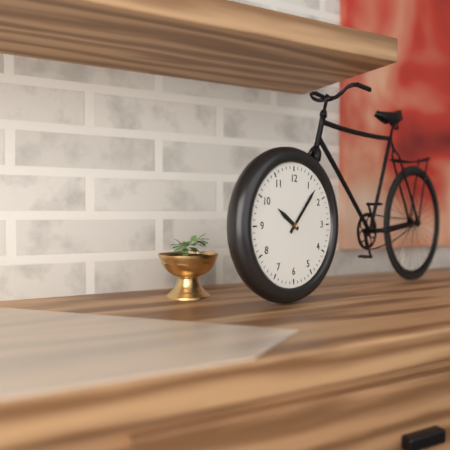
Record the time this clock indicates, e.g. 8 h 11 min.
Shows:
10 h 07 min
